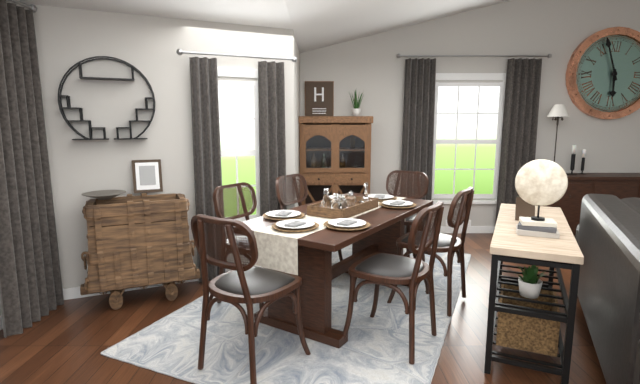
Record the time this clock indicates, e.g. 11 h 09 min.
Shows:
5 h 57 min
